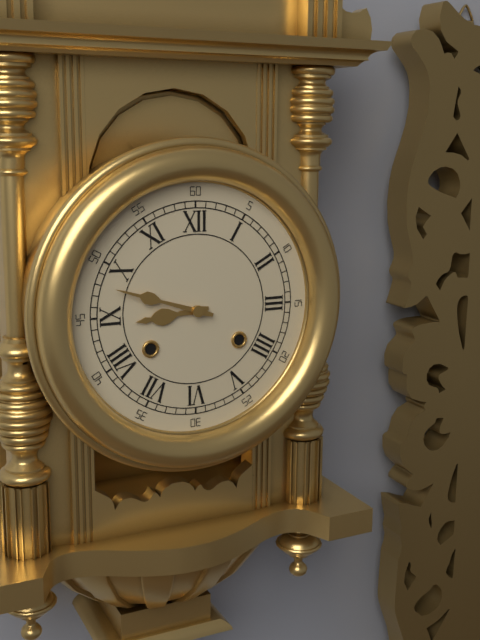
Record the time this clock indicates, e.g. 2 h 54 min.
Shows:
8 h 48 min
